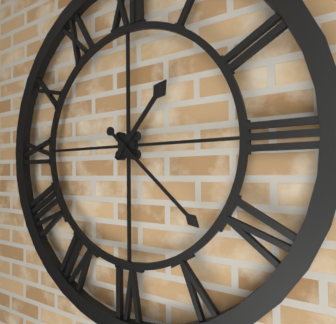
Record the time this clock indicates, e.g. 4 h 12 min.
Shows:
1 h 22 min
